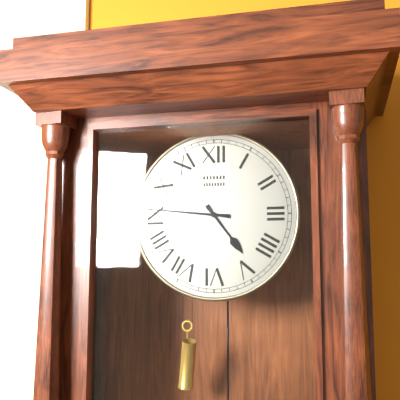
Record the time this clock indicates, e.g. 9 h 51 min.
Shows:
4 h 46 min
